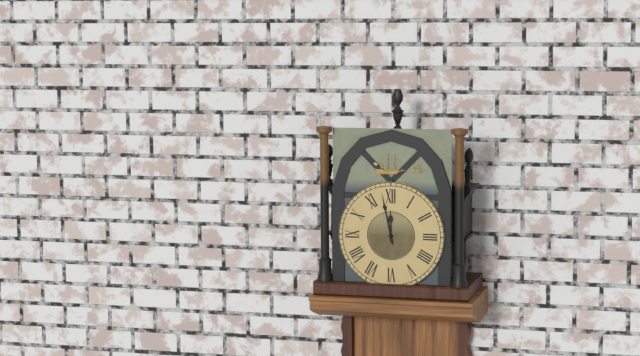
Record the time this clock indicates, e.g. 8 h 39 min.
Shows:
11 h 58 min
